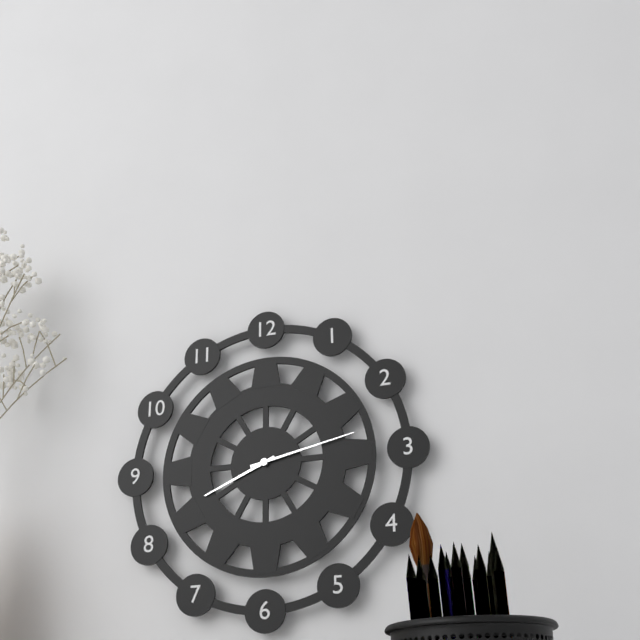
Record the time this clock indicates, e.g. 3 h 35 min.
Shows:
8 h 13 min
